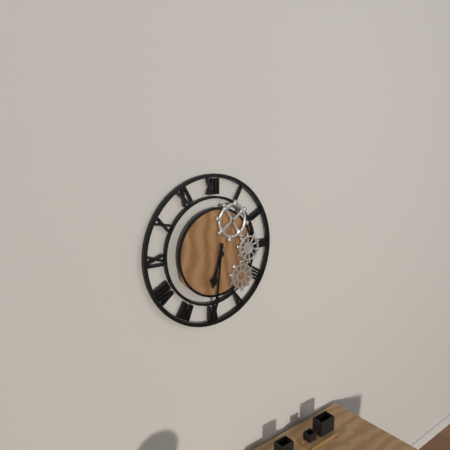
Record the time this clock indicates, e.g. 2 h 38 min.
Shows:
6 h 31 min
